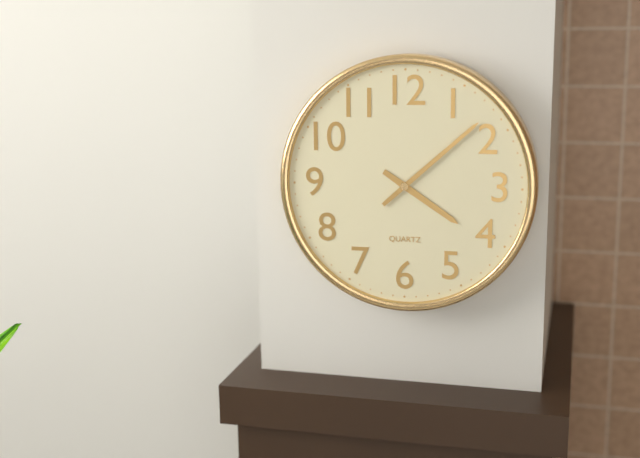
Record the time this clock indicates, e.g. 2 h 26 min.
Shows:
4 h 08 min
